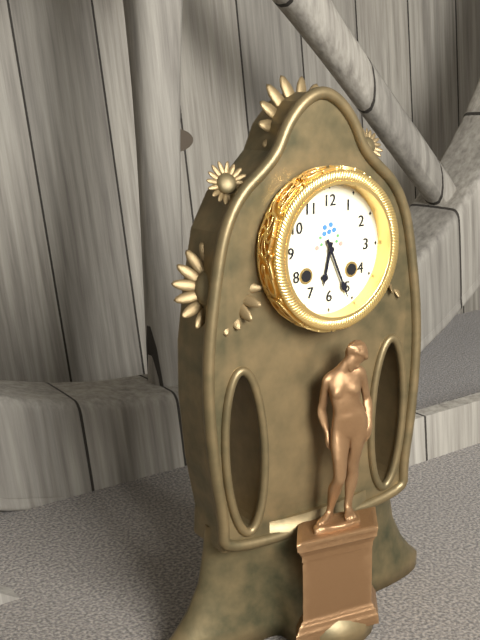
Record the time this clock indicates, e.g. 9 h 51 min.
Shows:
6 h 26 min
